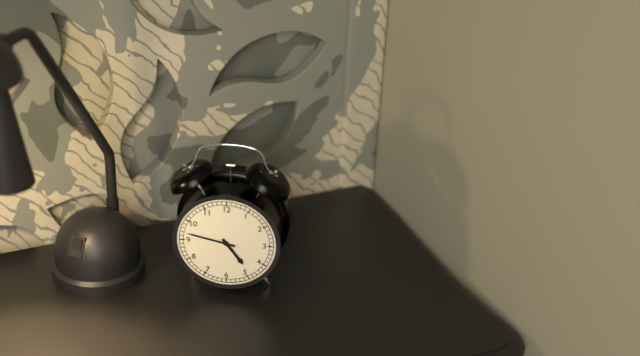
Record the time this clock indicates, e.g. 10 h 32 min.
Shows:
4 h 47 min
